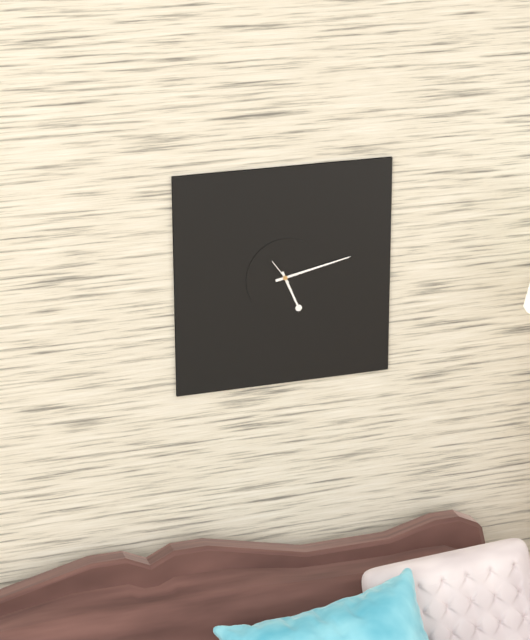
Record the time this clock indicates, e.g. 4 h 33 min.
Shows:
5 h 13 min
